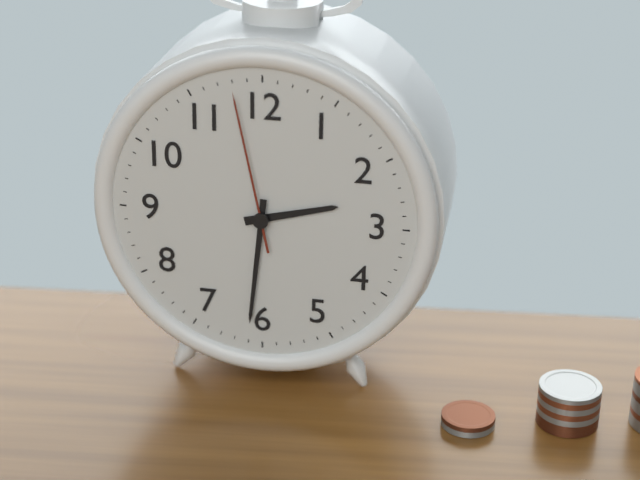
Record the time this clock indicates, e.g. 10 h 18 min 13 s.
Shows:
2 h 31 min 58 s
